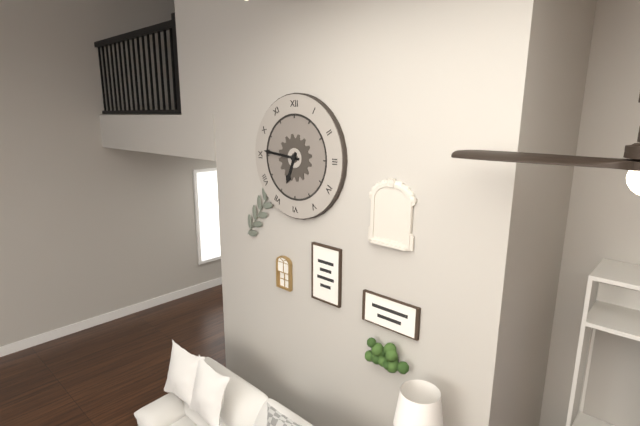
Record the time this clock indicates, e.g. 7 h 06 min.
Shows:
6 h 46 min
